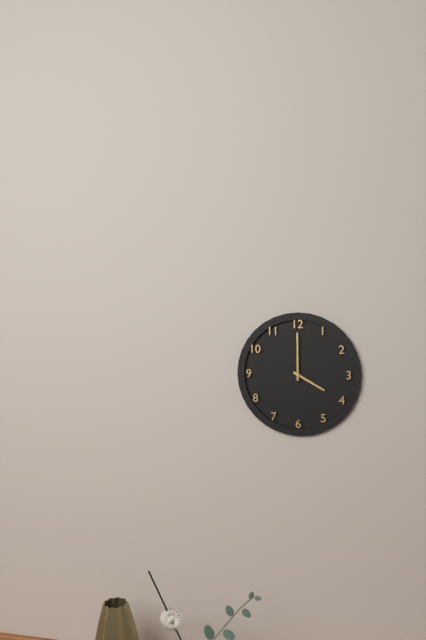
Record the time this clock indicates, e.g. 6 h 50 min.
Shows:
4 h 00 min
